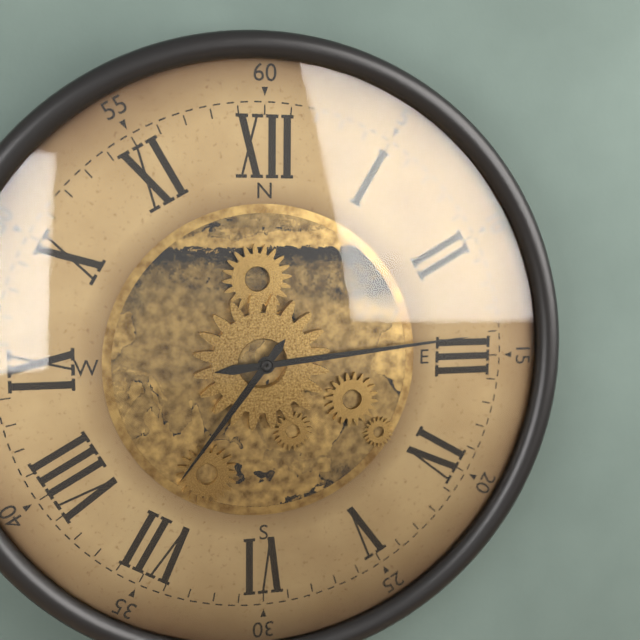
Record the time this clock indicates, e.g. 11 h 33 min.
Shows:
7 h 14 min
